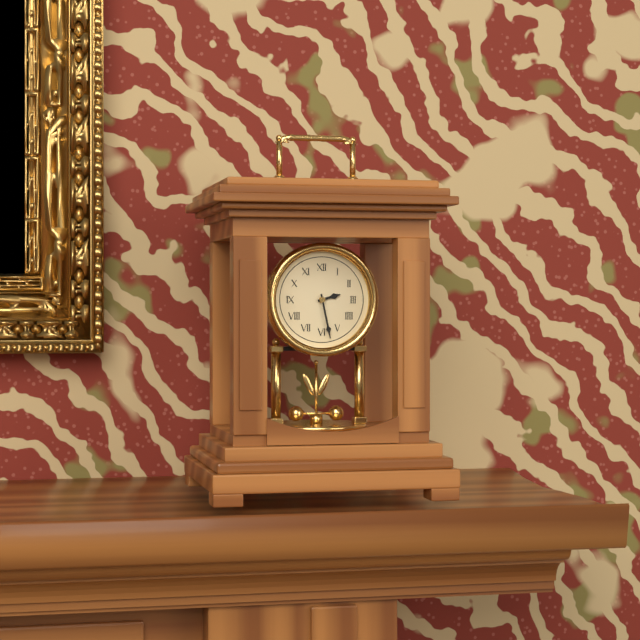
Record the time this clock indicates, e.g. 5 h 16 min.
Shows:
2 h 28 min
